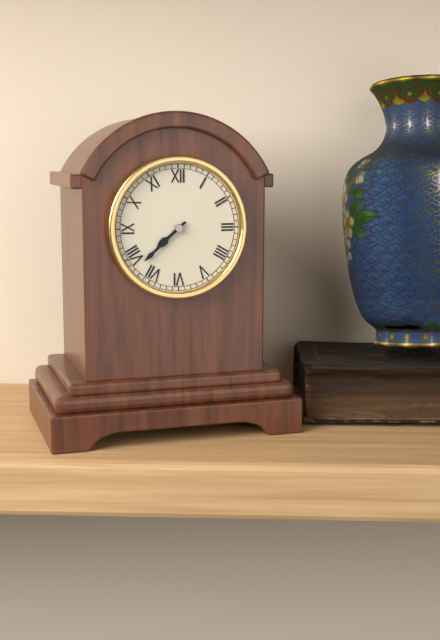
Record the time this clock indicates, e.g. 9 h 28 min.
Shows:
7 h 38 min
